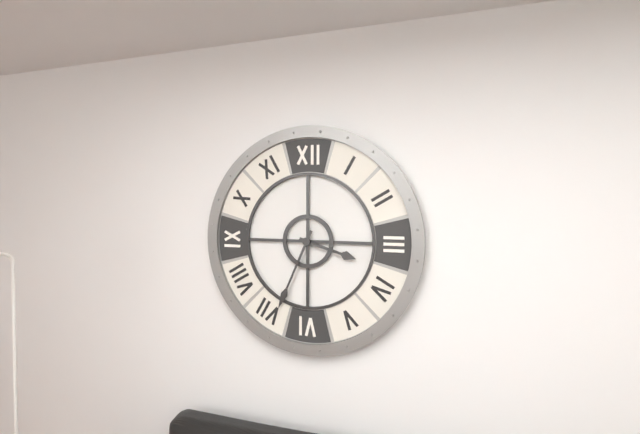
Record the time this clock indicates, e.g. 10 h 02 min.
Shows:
3 h 34 min
